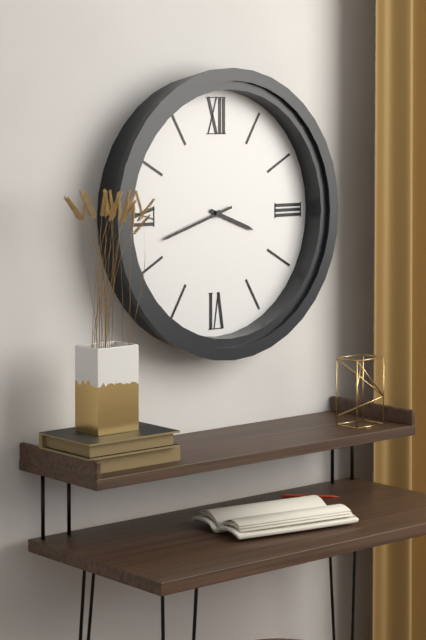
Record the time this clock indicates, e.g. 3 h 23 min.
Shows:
3 h 42 min
